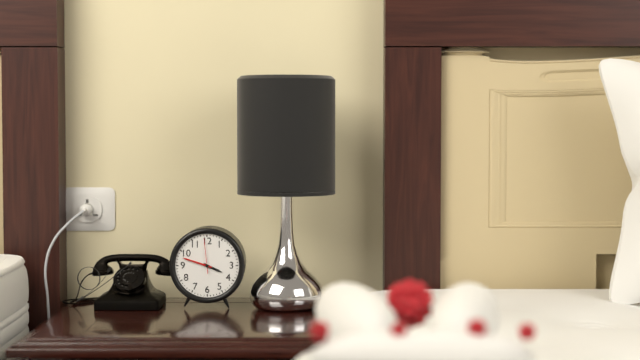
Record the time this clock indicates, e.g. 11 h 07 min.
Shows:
3 h 48 min
